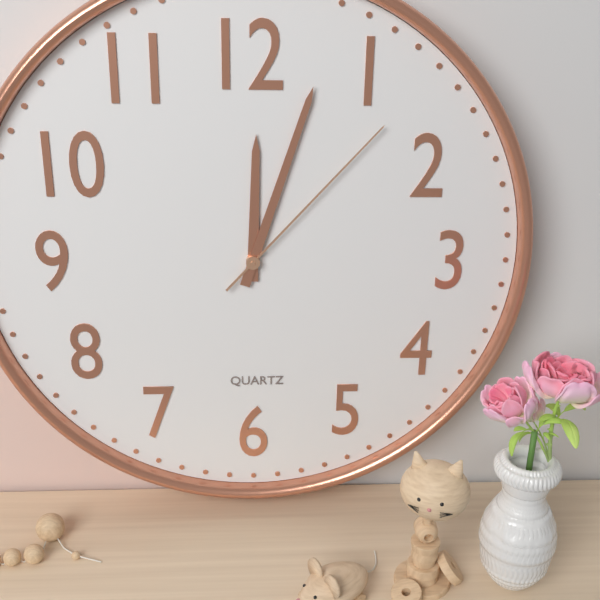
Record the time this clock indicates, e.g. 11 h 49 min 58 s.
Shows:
12 h 03 min 07 s
